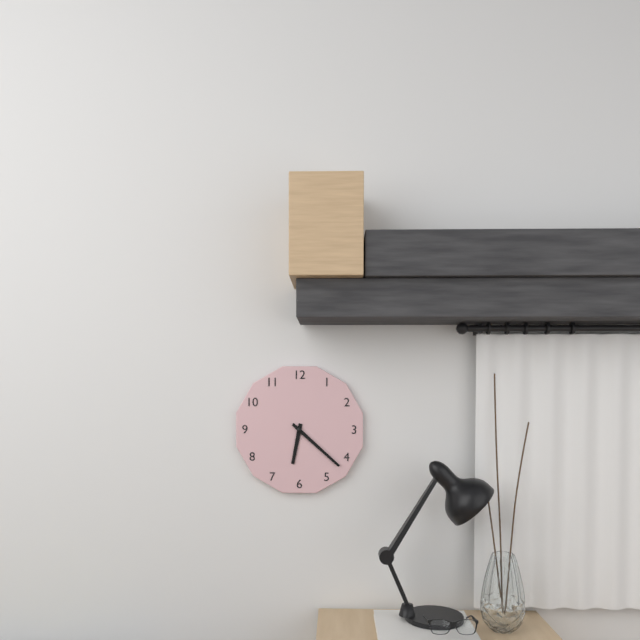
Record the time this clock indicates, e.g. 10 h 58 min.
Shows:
6 h 22 min
